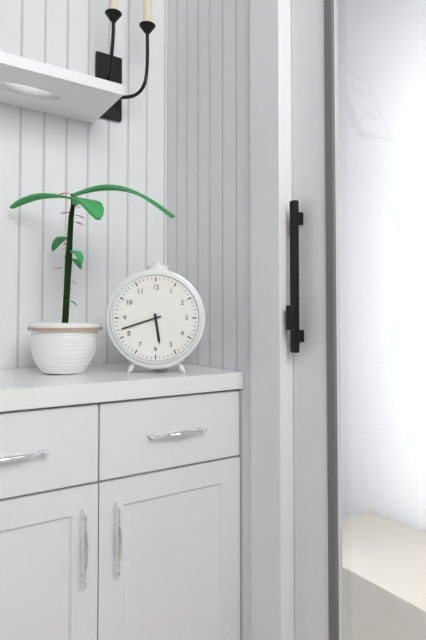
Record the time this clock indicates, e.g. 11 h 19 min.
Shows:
5 h 42 min
